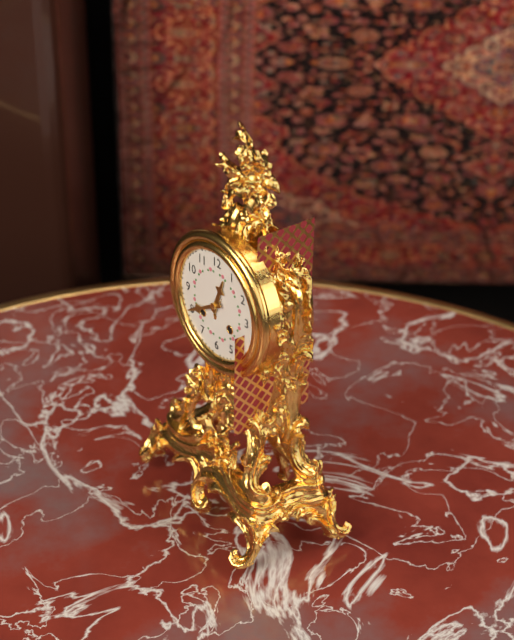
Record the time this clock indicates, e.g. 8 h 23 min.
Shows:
12 h 40 min
